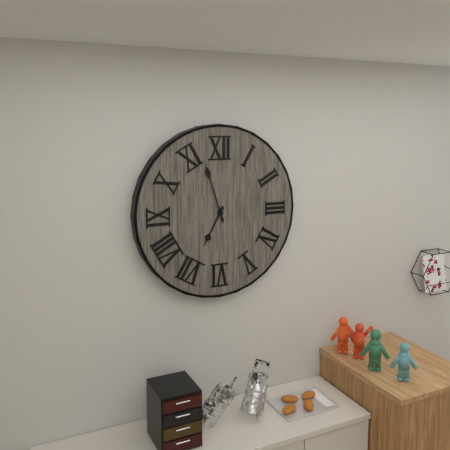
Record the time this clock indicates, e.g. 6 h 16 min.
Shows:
6 h 57 min
